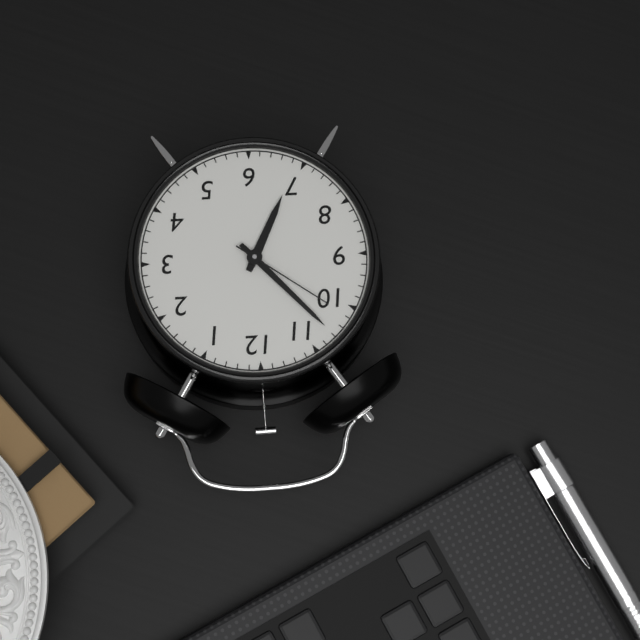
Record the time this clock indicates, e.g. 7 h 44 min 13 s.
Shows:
6 h 53 min 51 s
